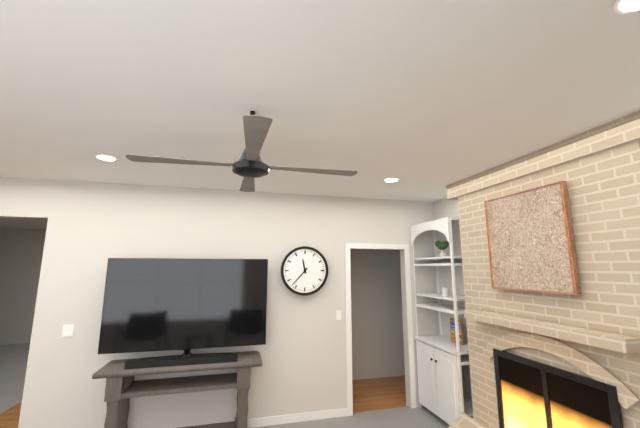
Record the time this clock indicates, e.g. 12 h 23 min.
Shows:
11 h 37 min
